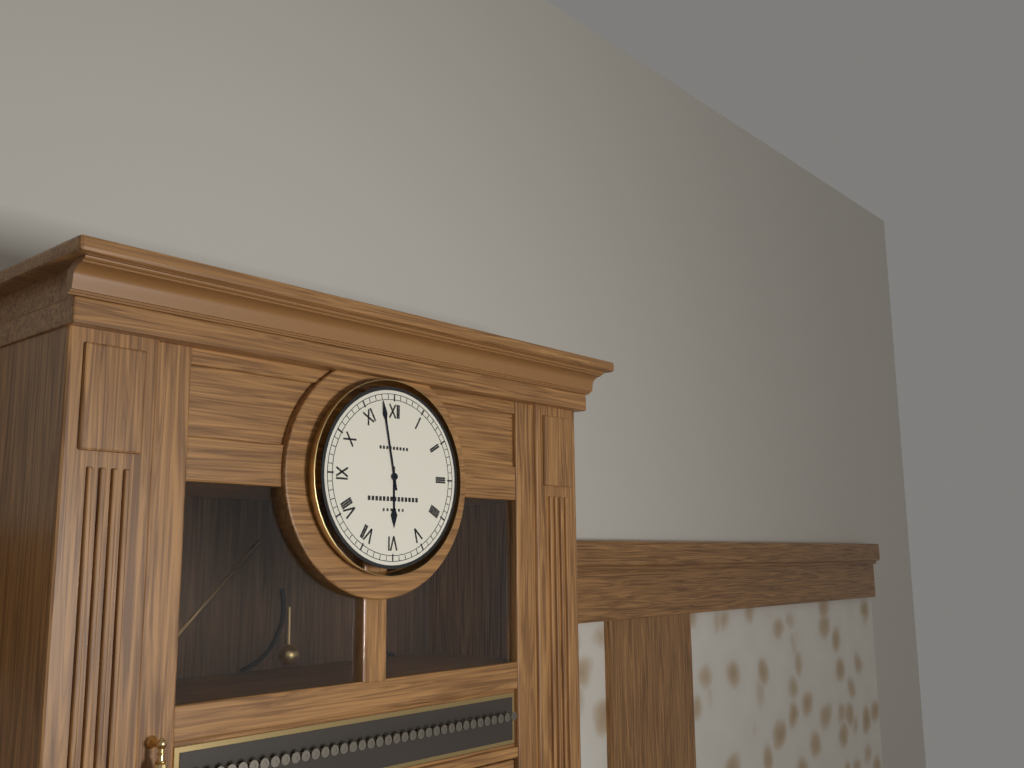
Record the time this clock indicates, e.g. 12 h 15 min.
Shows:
5 h 58 min
